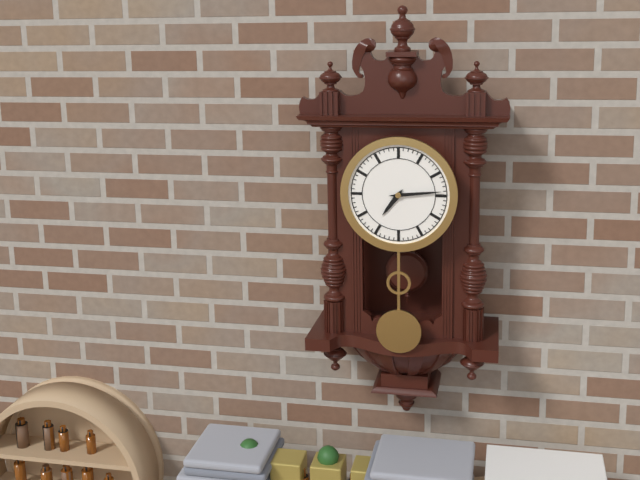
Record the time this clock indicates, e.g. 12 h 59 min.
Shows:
7 h 14 min
